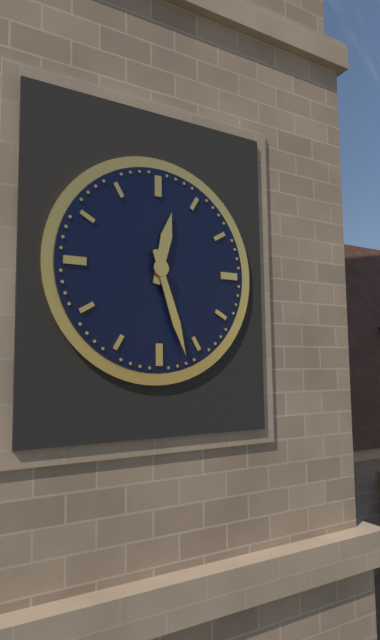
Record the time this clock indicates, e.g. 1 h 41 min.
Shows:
12 h 27 min
